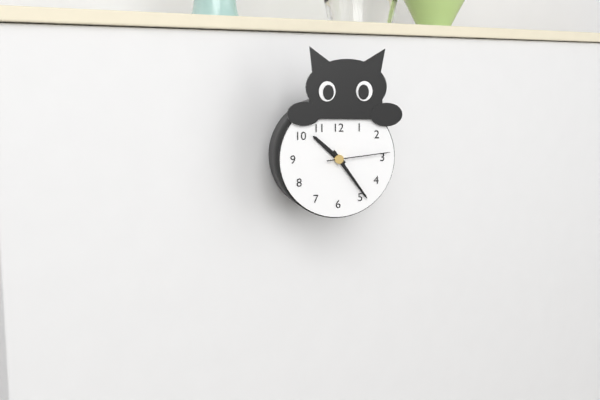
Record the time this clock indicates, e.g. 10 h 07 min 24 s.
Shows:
10 h 24 min 14 s
